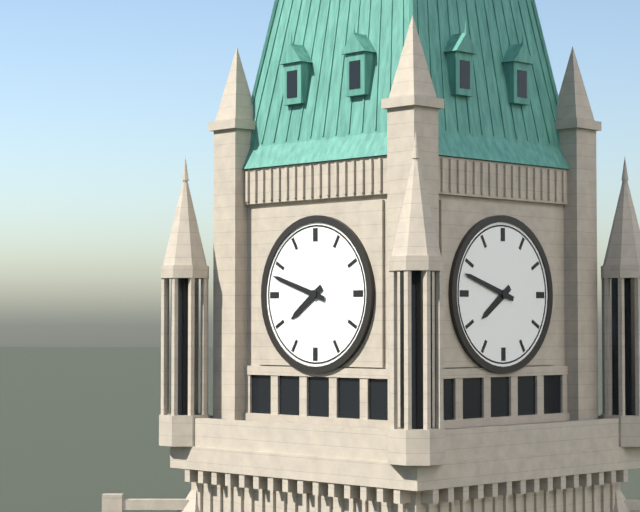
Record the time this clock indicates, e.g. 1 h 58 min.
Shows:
7 h 48 min
